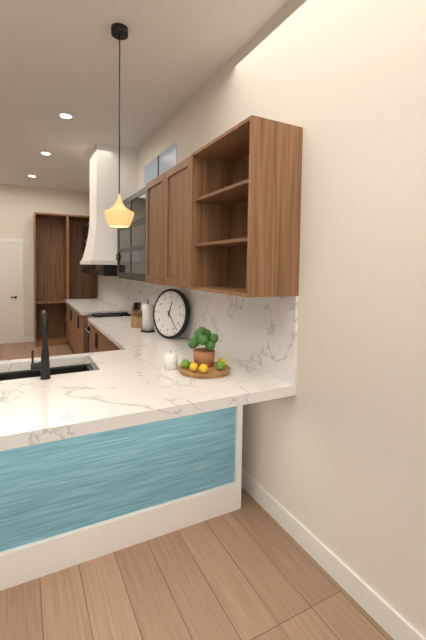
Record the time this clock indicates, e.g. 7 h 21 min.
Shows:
12 h 23 min
